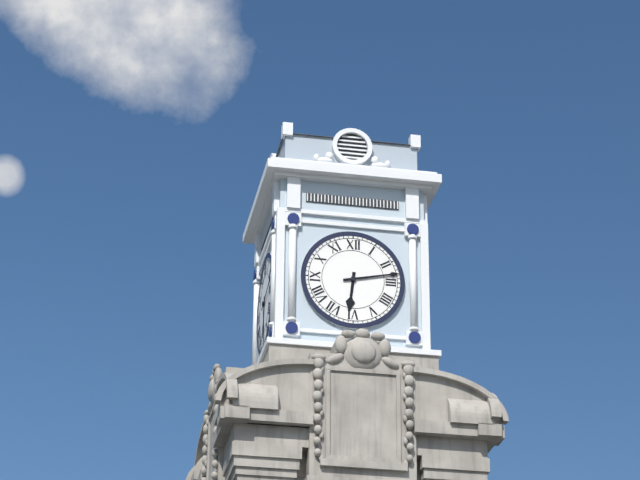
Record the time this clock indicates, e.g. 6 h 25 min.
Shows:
6 h 13 min
